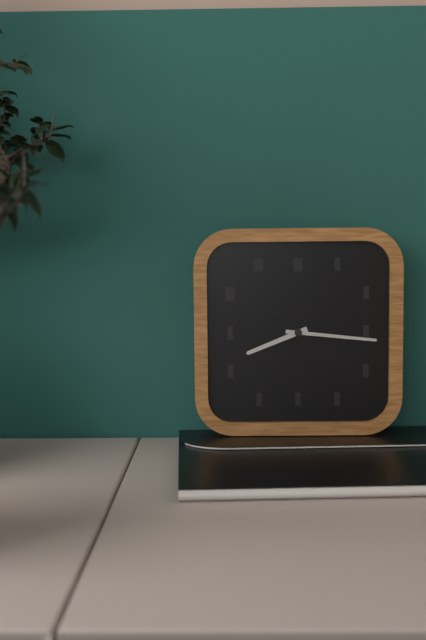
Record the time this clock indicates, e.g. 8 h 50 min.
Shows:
8 h 16 min
